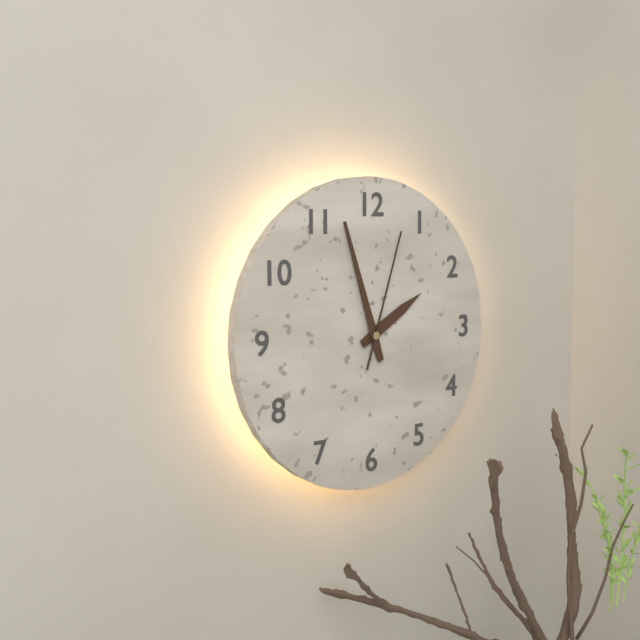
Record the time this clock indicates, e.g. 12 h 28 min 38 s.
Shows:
1 h 57 min 03 s
